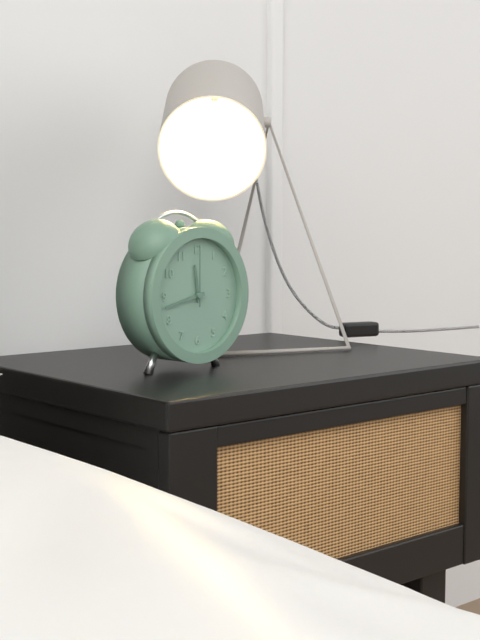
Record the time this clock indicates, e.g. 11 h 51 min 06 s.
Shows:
11 h 43 min 00 s
